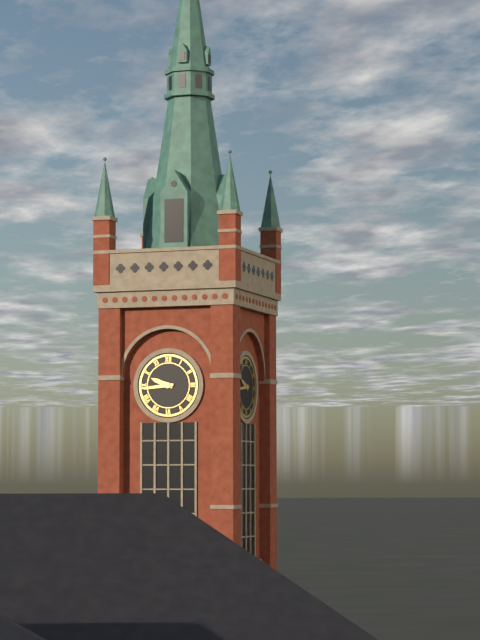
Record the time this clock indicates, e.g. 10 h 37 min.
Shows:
9 h 44 min
